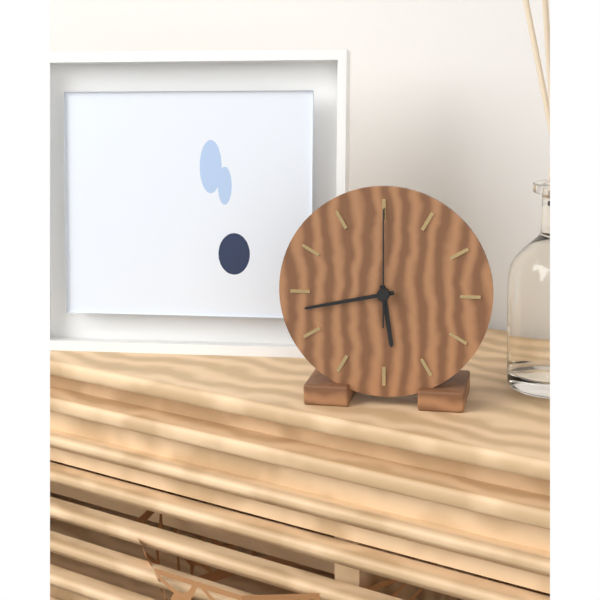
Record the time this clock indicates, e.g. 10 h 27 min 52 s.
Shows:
5 h 43 min 00 s
